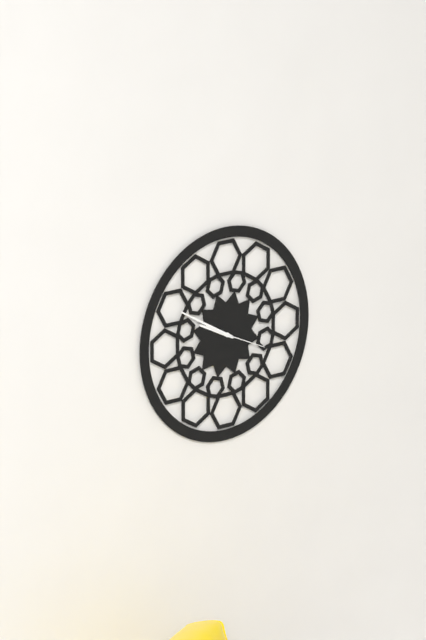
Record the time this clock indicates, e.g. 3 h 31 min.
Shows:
9 h 50 min
